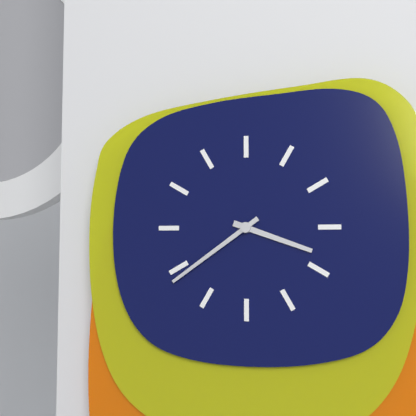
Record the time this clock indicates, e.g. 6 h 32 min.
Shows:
3 h 39 min
